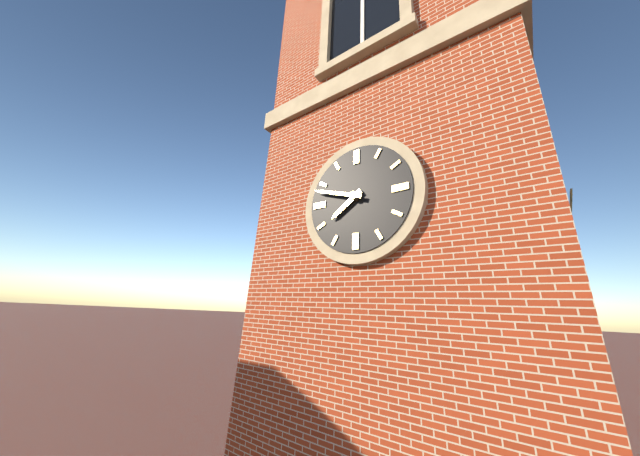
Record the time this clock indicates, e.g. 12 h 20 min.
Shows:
7 h 48 min
